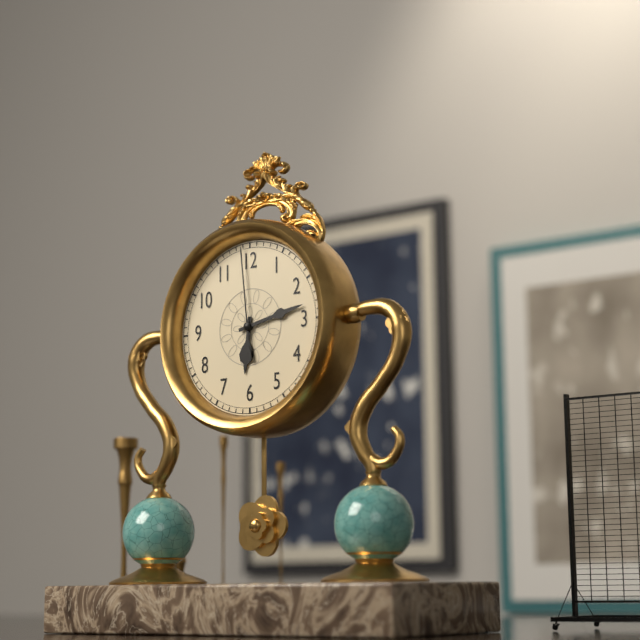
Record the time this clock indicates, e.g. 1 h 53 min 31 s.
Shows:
6 h 13 min 59 s
